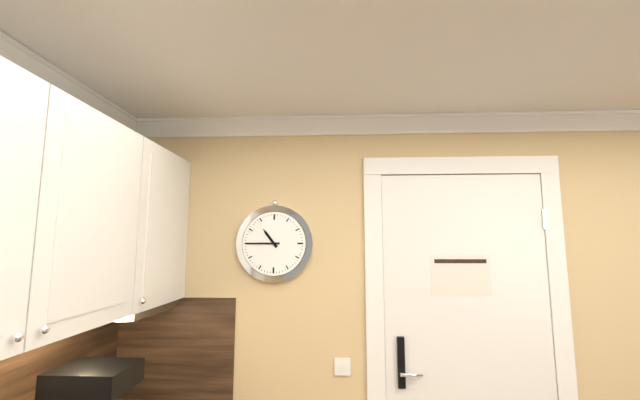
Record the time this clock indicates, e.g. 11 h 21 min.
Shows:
10 h 45 min
